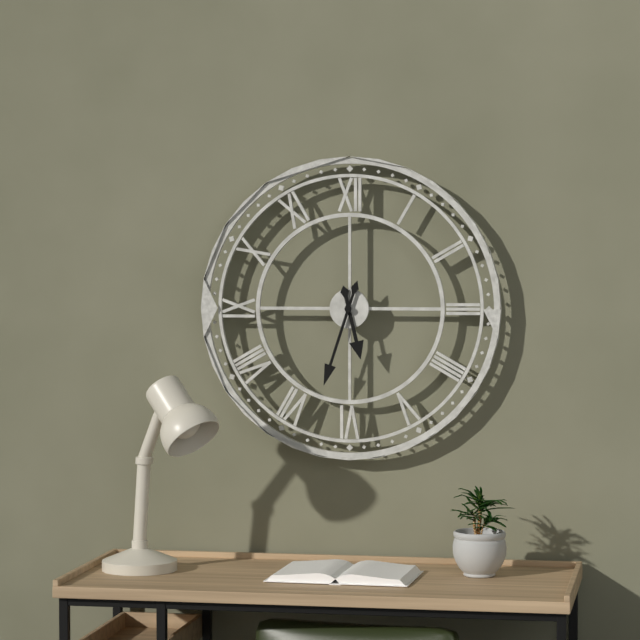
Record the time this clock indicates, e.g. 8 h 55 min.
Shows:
5 h 33 min
